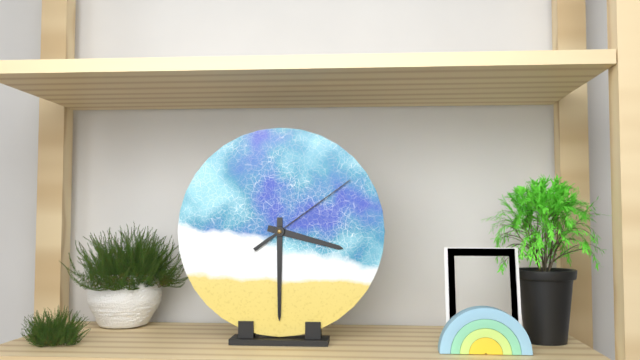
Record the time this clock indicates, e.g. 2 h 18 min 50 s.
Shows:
3 h 30 min 09 s
